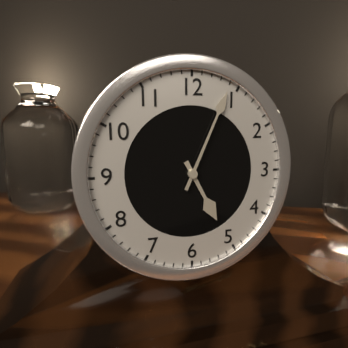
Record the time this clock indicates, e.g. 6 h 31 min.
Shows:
5 h 04 min
